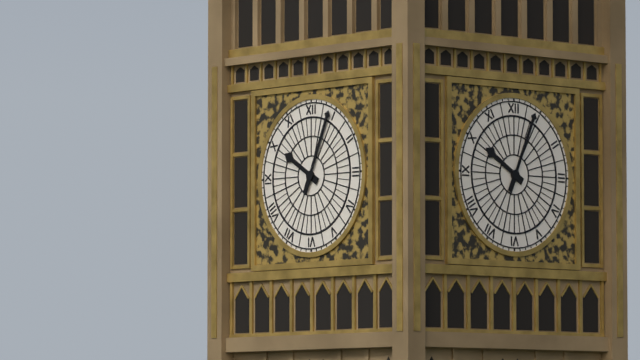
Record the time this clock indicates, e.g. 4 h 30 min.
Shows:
10 h 04 min
